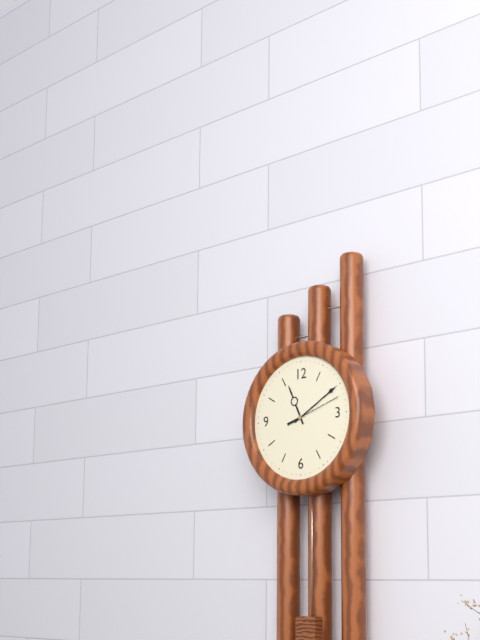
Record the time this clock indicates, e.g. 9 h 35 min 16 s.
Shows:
11 h 10 min 12 s
